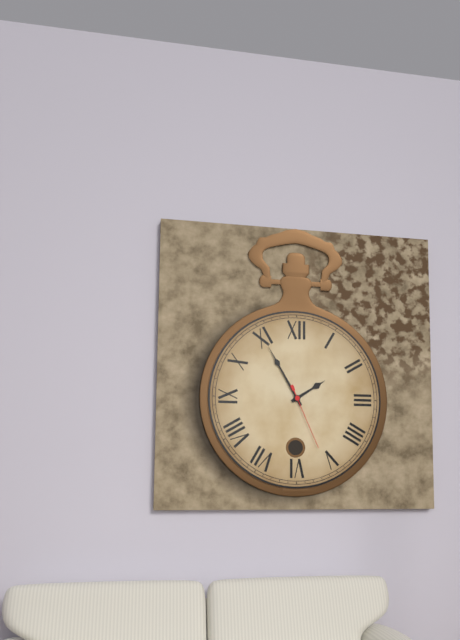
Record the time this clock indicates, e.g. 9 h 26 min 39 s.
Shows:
1 h 55 min 26 s
